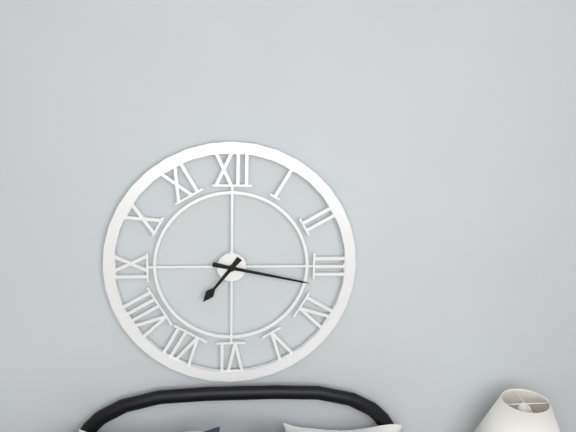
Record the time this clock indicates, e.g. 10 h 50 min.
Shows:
7 h 17 min
